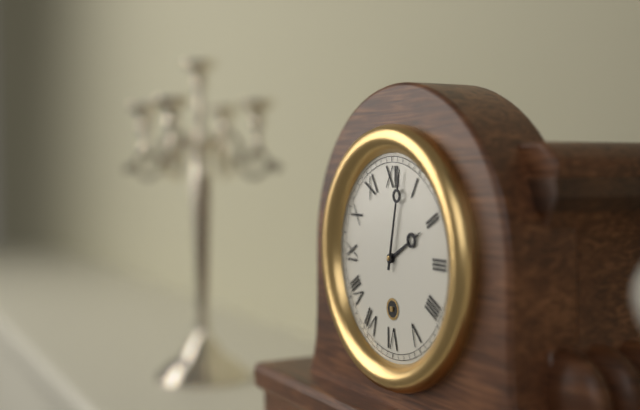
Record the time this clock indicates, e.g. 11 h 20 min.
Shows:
2 h 02 min
